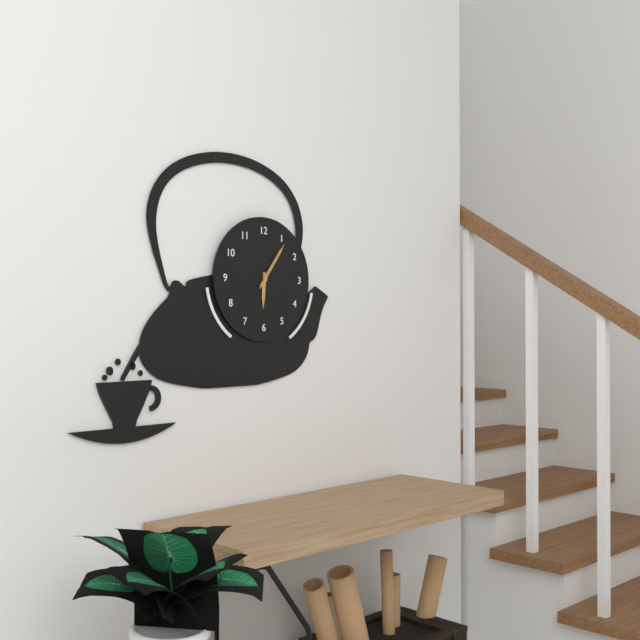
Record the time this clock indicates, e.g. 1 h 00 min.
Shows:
6 h 06 min
